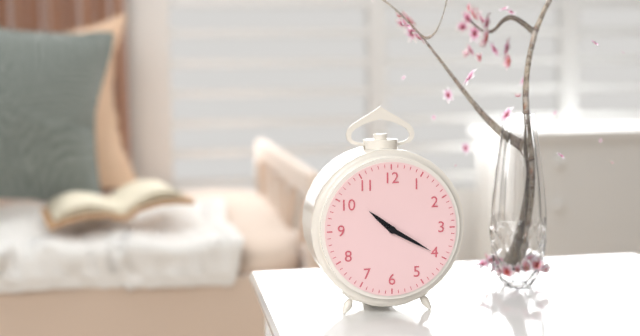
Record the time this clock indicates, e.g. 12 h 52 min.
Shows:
10 h 20 min
